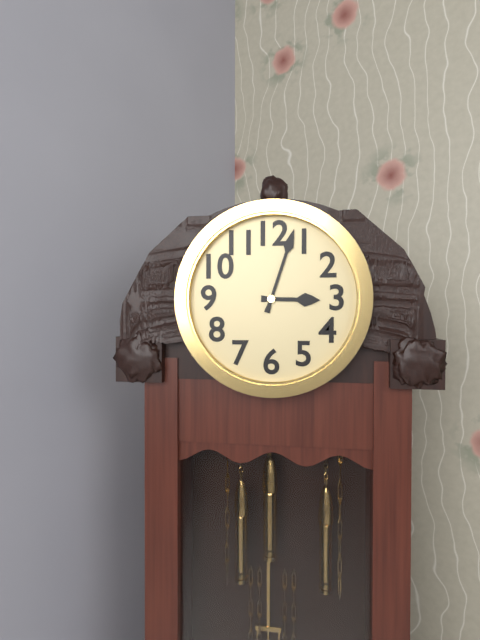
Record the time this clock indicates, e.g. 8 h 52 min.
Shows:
3 h 03 min
